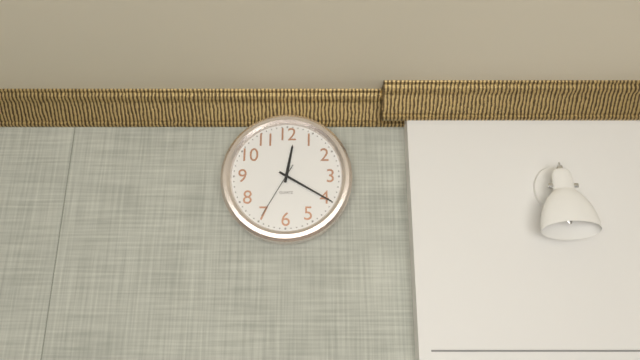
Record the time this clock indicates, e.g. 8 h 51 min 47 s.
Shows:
12 h 20 min 35 s
